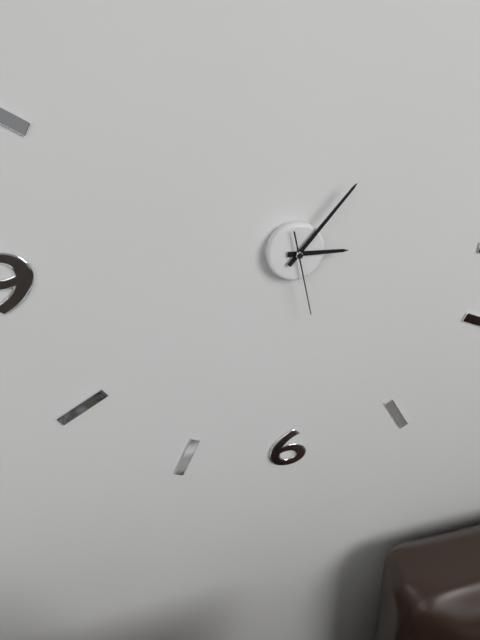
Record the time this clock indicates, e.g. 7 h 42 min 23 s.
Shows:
3 h 07 min 28 s
